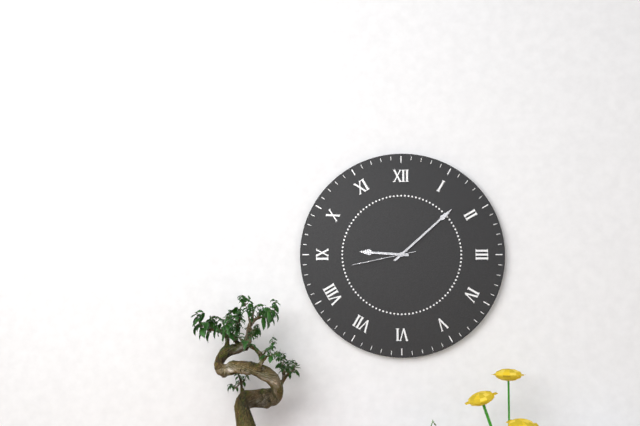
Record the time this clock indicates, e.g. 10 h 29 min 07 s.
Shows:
9 h 08 min 43 s
